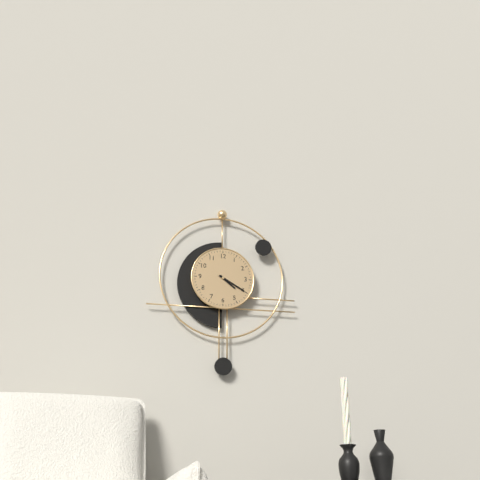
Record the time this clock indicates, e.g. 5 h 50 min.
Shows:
4 h 20 min
